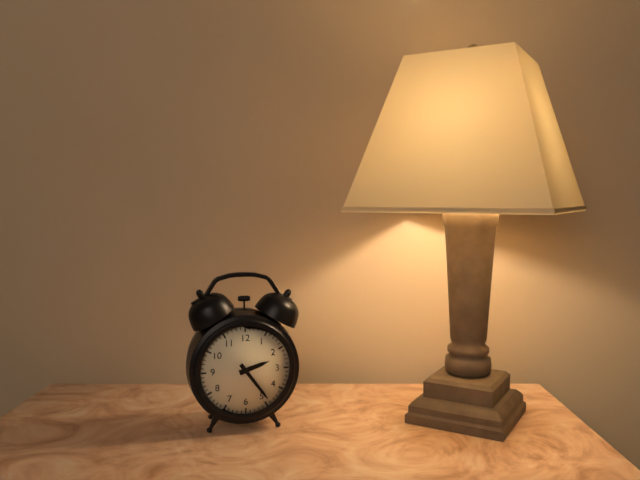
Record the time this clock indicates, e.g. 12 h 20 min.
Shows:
2 h 24 min
